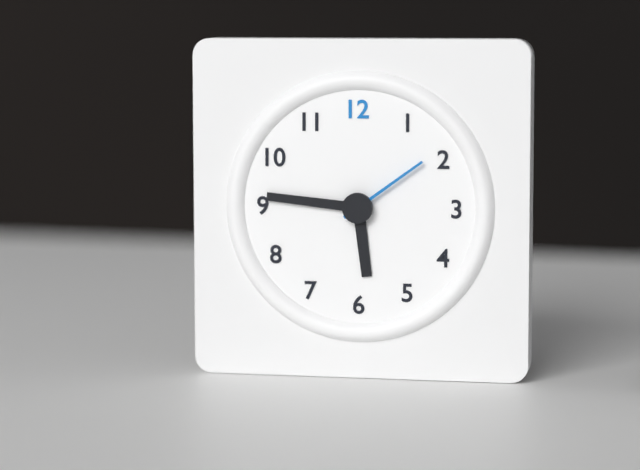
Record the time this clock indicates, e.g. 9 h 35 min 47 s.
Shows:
5 h 46 min 09 s
